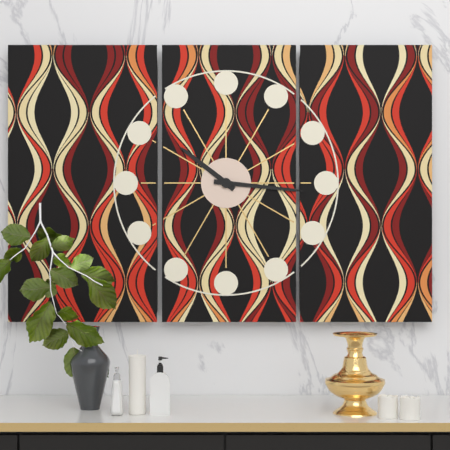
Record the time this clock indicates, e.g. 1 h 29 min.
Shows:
10 h 16 min
